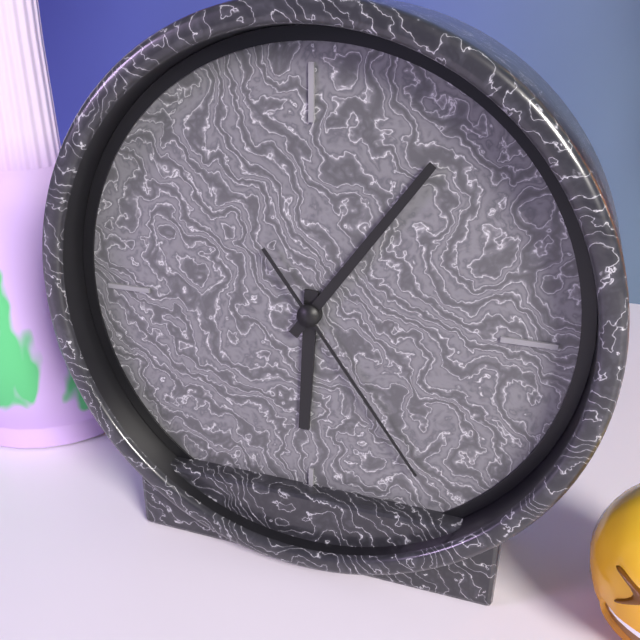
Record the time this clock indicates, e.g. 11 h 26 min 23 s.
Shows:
6 h 06 min 24 s
